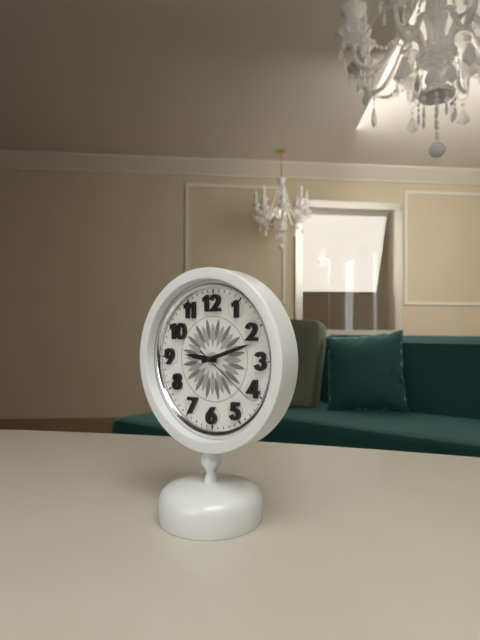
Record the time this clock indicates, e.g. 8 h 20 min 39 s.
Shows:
9 h 12 min 21 s
